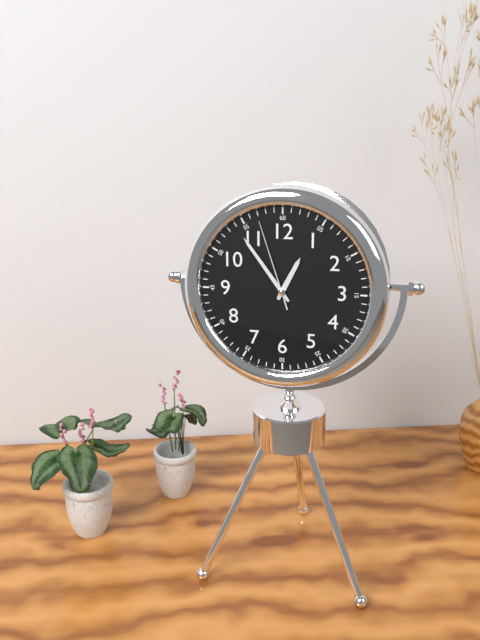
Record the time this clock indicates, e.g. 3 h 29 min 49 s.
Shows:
12 h 54 min 57 s
